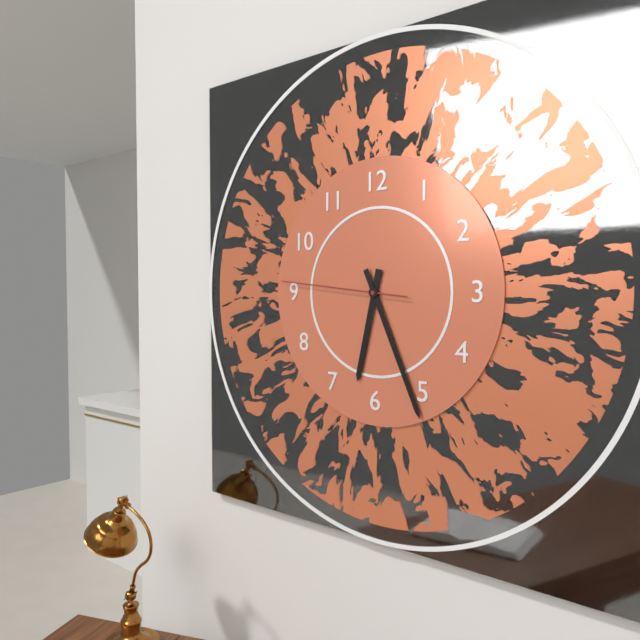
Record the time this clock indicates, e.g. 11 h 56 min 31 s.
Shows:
6 h 26 min 46 s
